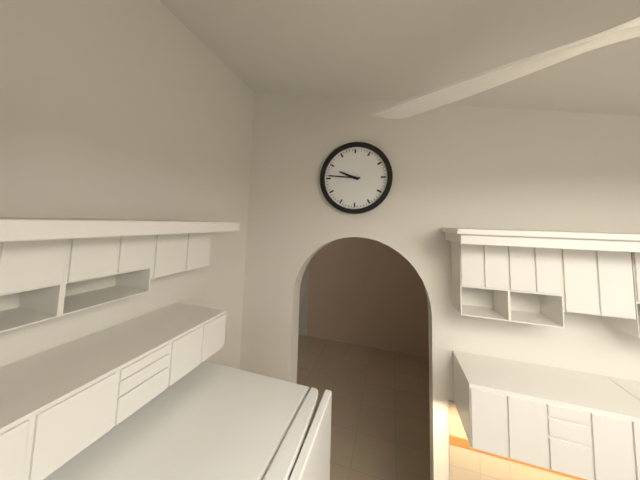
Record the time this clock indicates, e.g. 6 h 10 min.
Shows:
9 h 46 min
